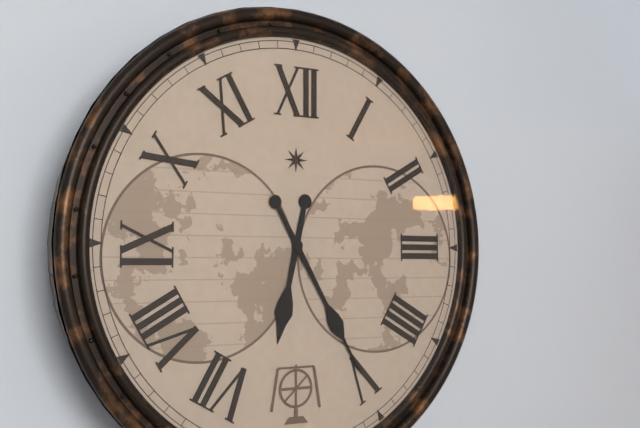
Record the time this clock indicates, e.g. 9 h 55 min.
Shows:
6 h 25 min
